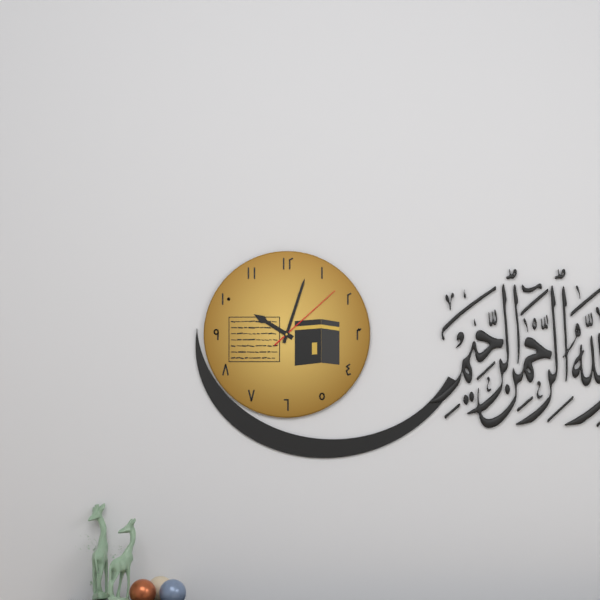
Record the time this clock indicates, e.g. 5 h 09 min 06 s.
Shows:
10 h 03 min 08 s
